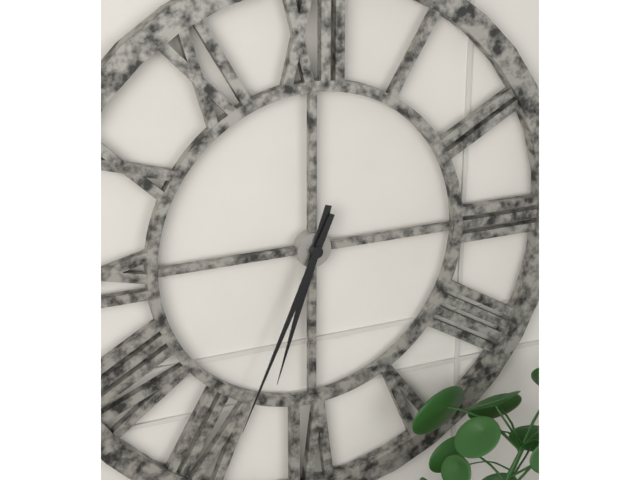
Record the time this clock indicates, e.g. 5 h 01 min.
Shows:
6 h 34 min
